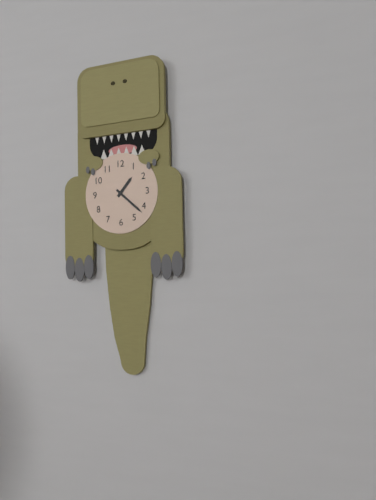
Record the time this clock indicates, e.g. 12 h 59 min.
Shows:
1 h 22 min
